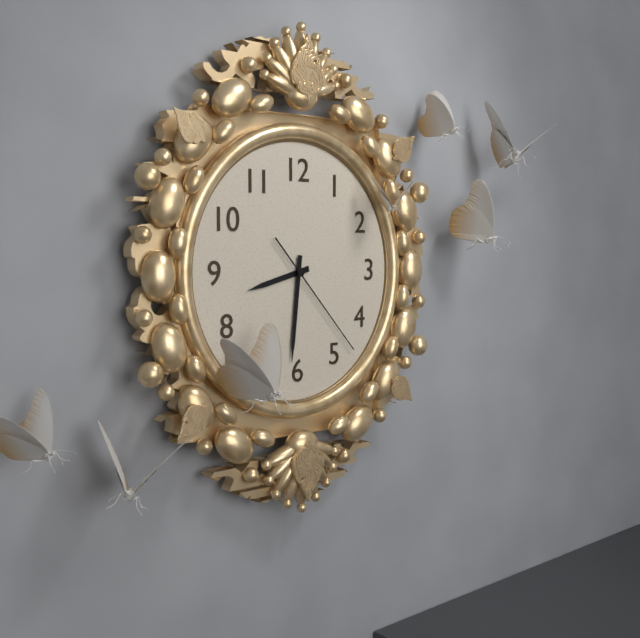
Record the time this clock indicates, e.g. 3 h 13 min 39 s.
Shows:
8 h 31 min 23 s
